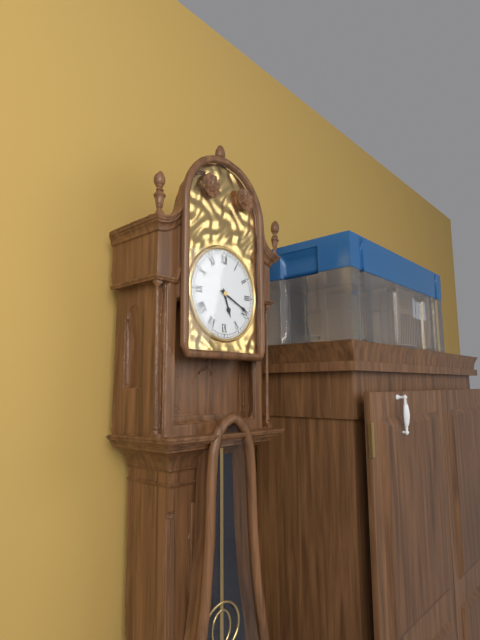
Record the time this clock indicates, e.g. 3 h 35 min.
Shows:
5 h 19 min
